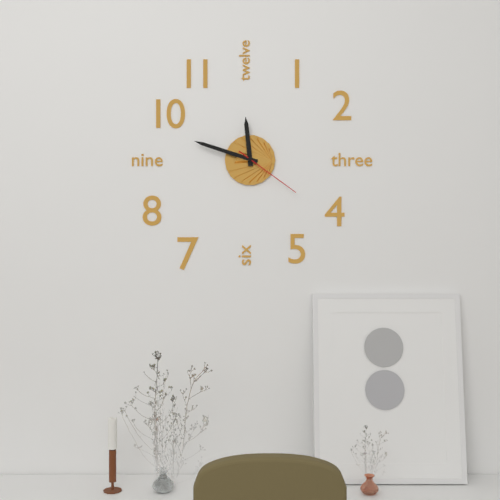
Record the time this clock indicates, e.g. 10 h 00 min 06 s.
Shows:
11 h 48 min 21 s
